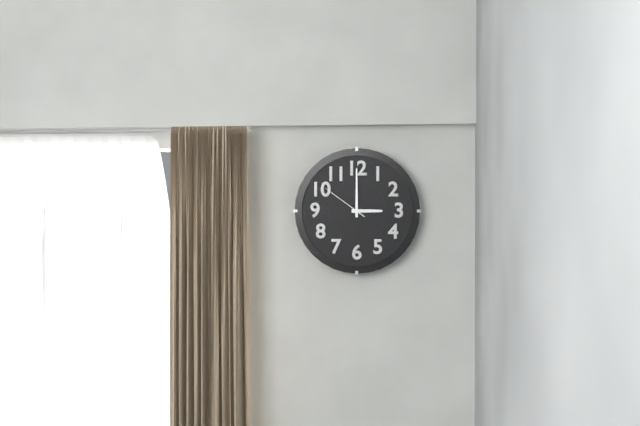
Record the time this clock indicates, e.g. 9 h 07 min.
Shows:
3 h 00 min
